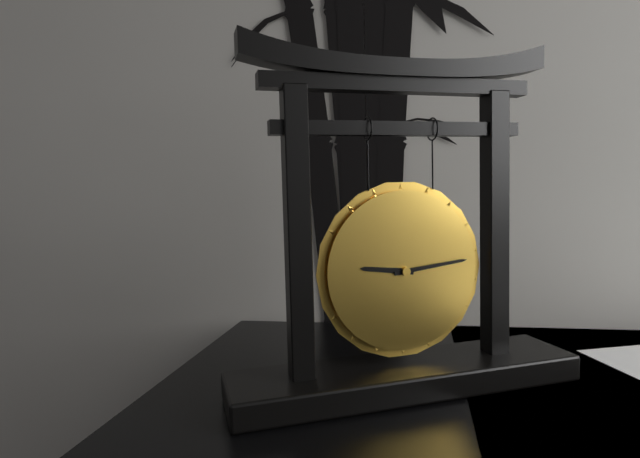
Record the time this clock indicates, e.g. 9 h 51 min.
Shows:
9 h 14 min
